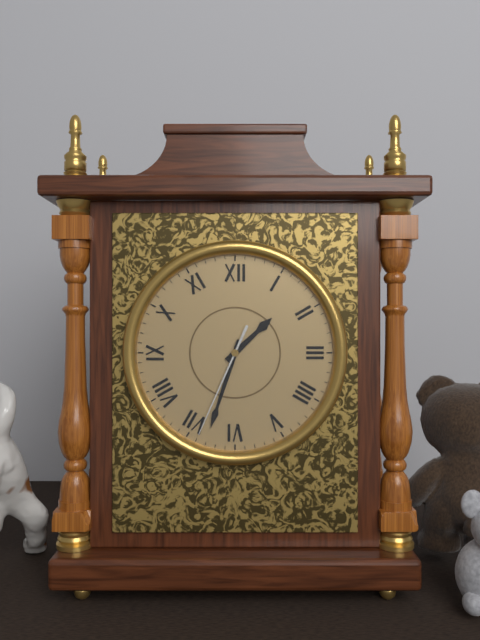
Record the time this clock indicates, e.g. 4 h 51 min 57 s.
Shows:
1 h 33 min 34 s
